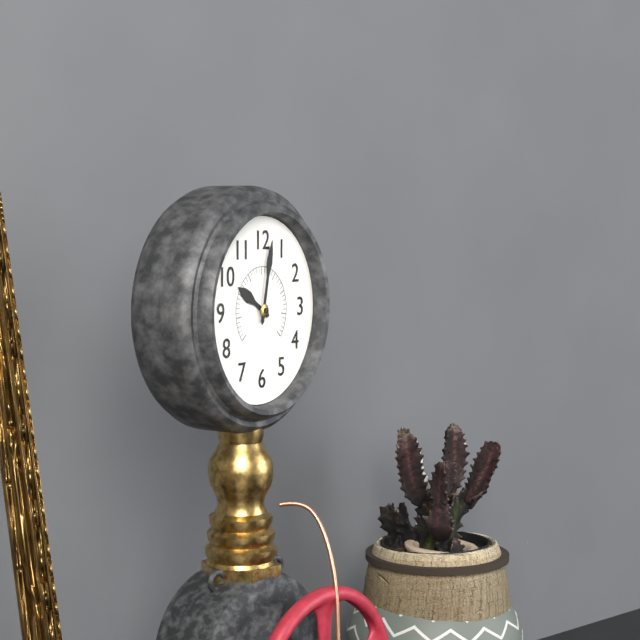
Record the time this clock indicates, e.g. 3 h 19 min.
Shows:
10 h 02 min
